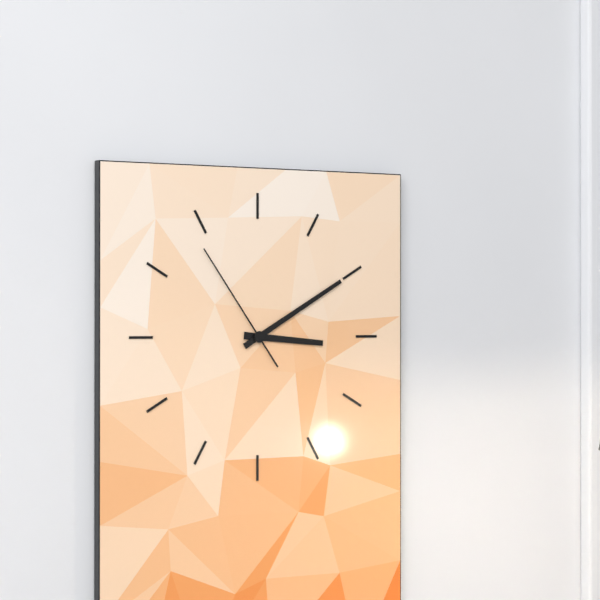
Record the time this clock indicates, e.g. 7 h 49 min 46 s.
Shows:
3 h 10 min 54 s
